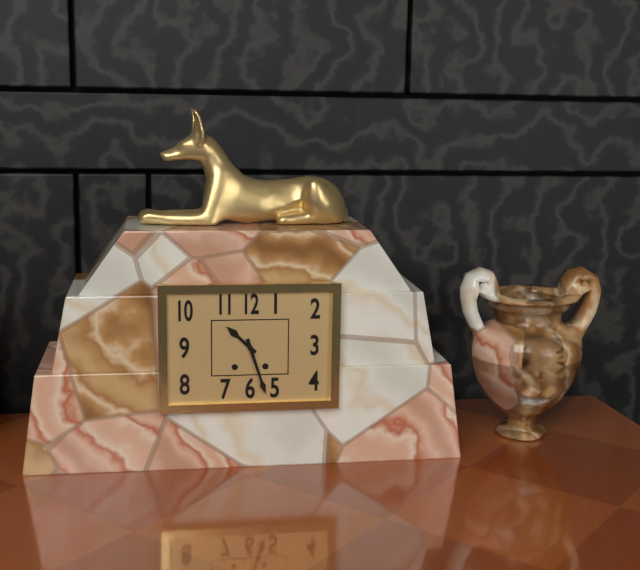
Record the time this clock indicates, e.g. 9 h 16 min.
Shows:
10 h 27 min
